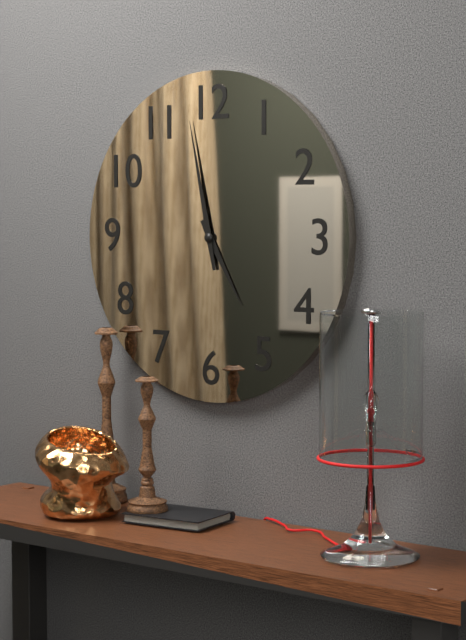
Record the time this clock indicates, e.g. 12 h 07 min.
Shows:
4 h 58 min
